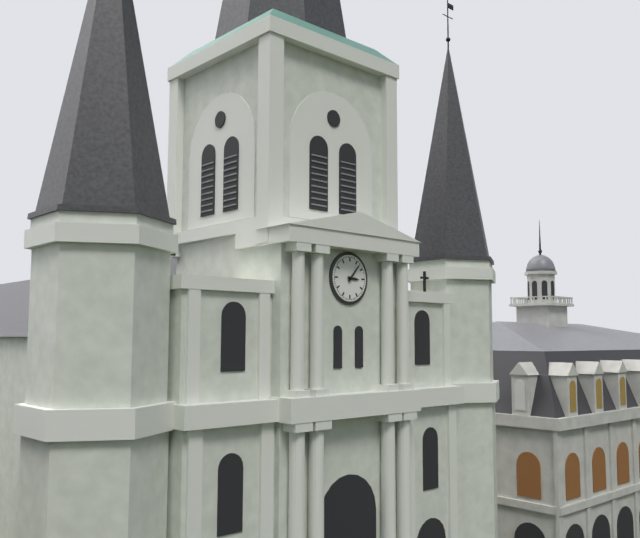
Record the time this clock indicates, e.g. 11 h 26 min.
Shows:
3 h 07 min
